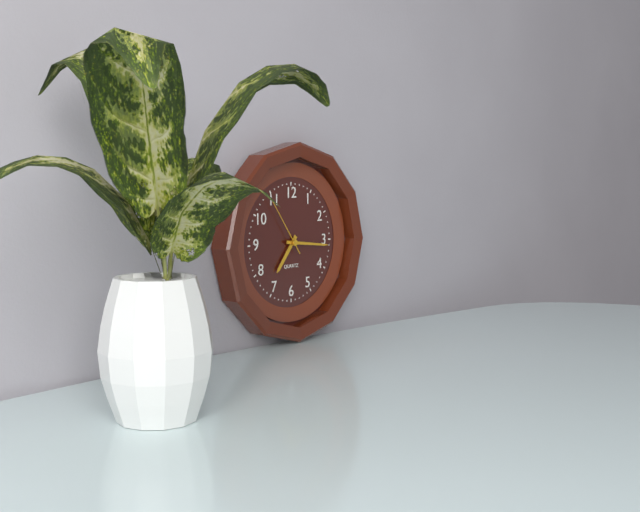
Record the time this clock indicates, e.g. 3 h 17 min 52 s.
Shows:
7 h 16 min 54 s
